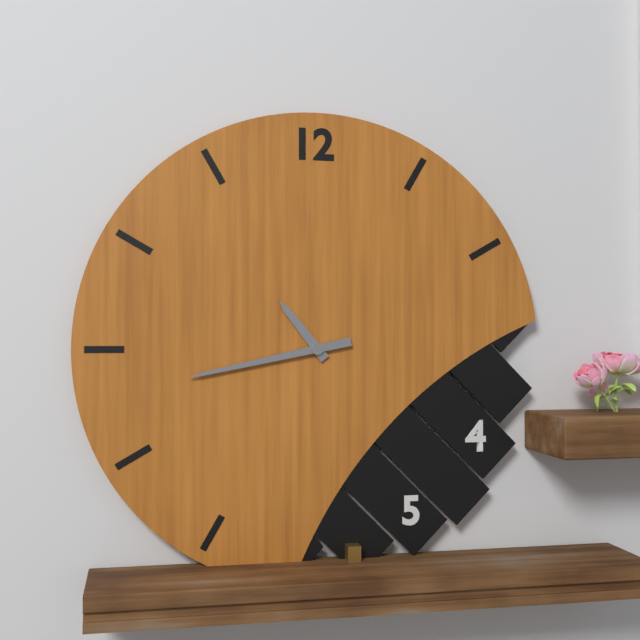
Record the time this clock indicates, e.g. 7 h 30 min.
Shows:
10 h 43 min
